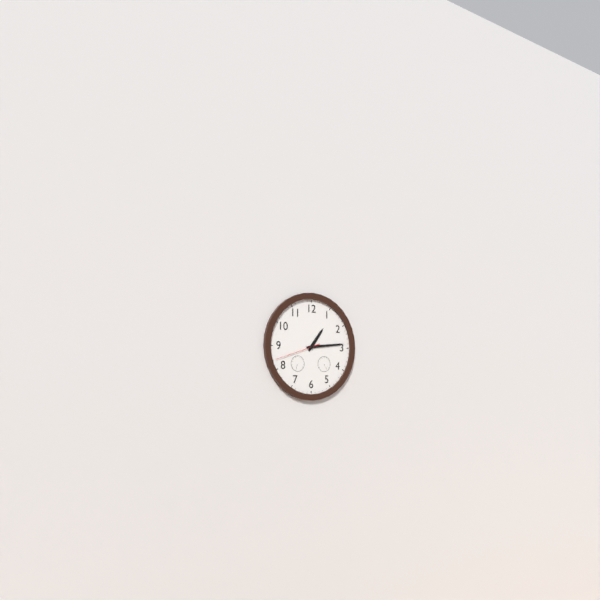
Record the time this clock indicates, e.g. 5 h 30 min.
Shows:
1 h 14 min
